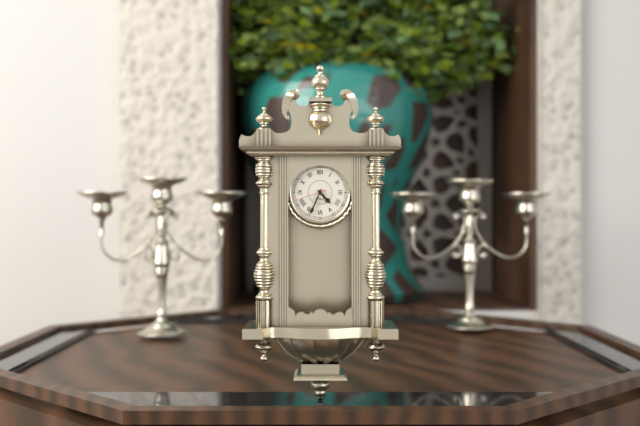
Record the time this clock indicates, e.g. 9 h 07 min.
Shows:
4 h 34 min
